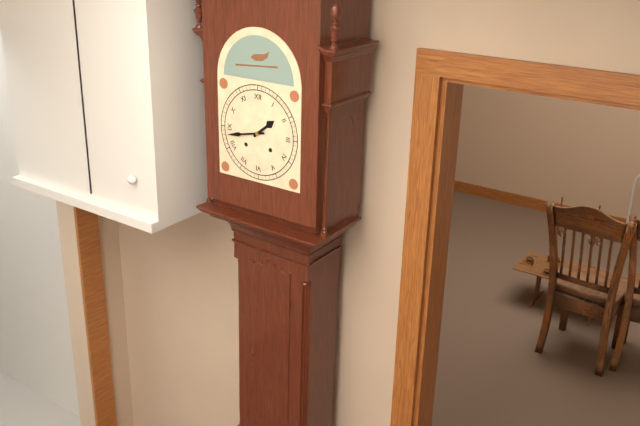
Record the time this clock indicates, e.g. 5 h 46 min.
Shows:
1 h 43 min
